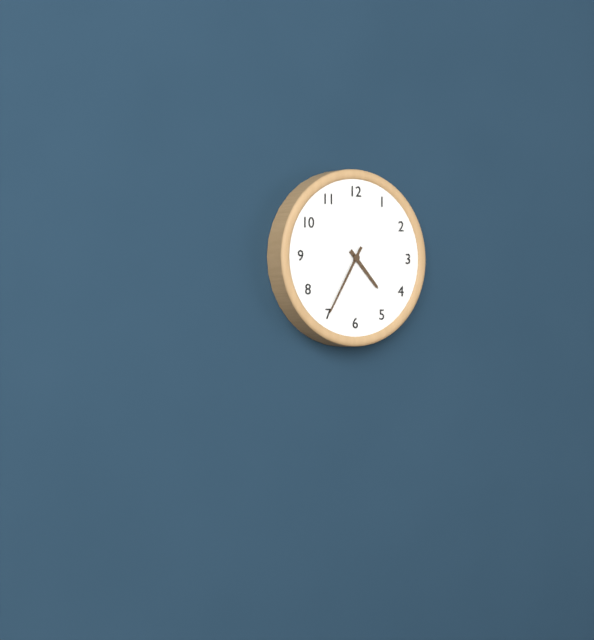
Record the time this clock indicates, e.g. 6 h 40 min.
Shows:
4 h 35 min
